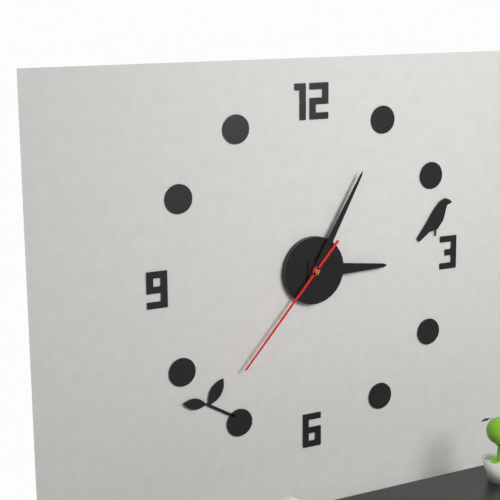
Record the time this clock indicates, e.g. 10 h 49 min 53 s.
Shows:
3 h 05 min 37 s
